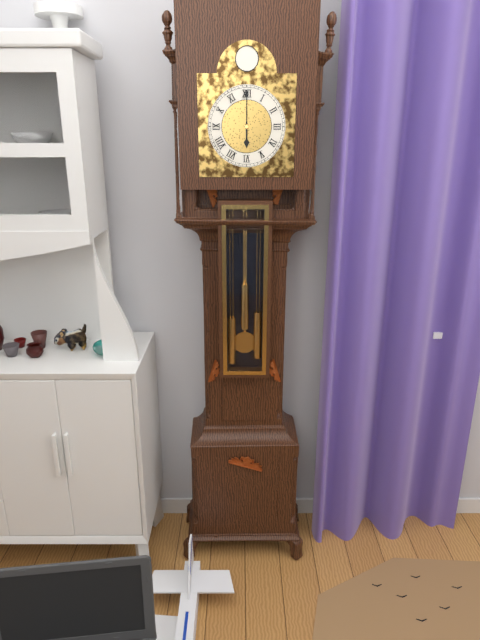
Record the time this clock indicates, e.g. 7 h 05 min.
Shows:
6 h 00 min
